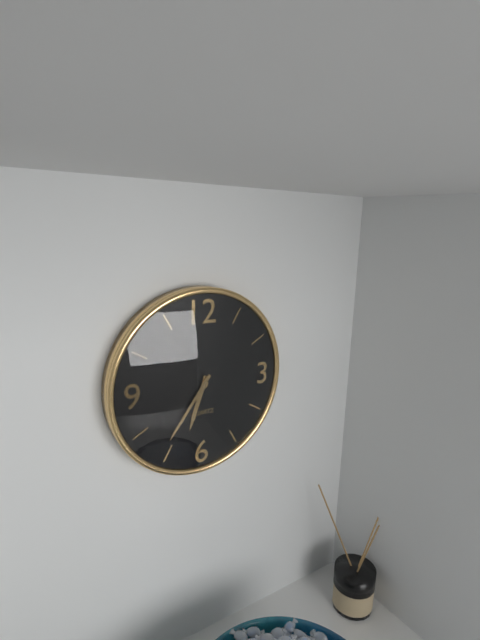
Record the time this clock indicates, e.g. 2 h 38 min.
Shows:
6 h 36 min
